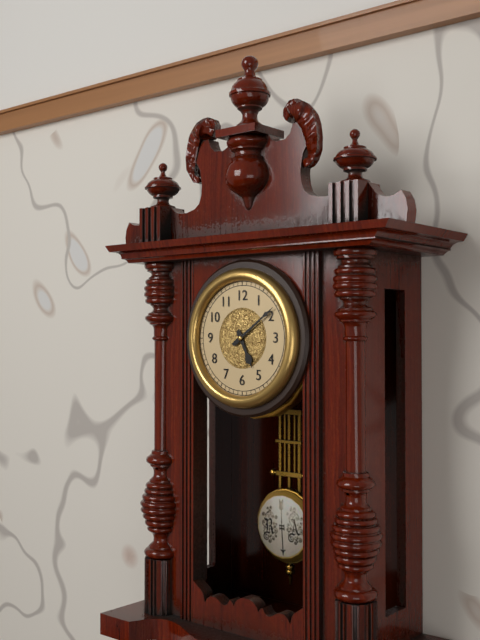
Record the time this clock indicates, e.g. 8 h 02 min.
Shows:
5 h 09 min
